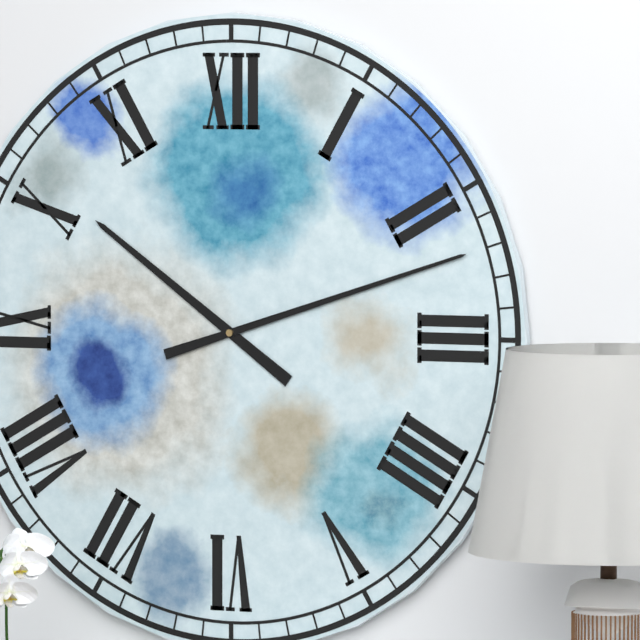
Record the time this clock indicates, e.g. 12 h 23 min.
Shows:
10 h 12 min
